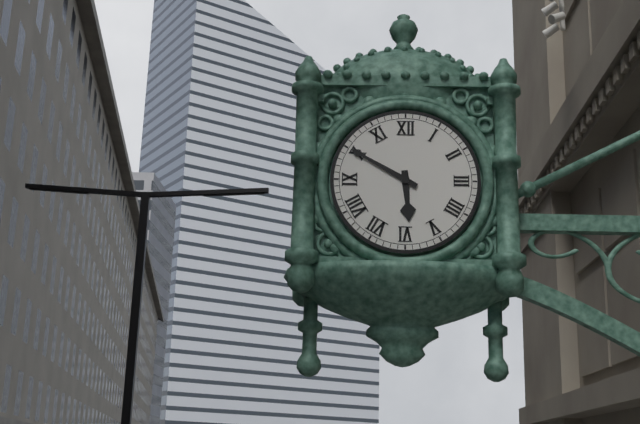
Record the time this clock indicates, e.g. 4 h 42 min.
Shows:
5 h 50 min
